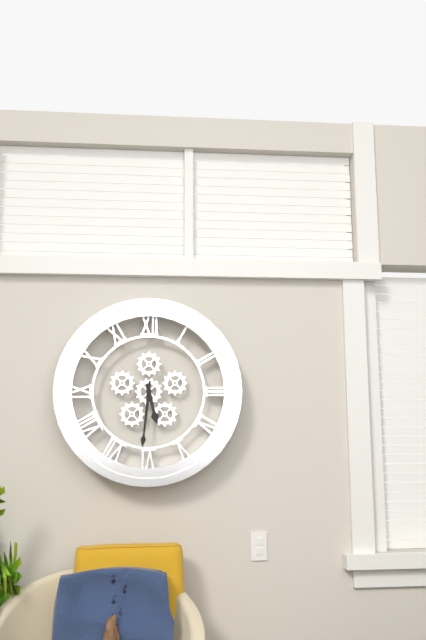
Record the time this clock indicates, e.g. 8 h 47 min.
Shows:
5 h 31 min
